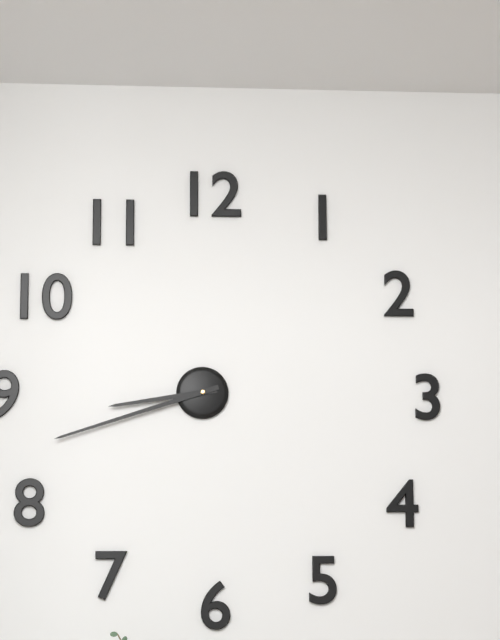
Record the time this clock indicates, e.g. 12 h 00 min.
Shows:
8 h 42 min
